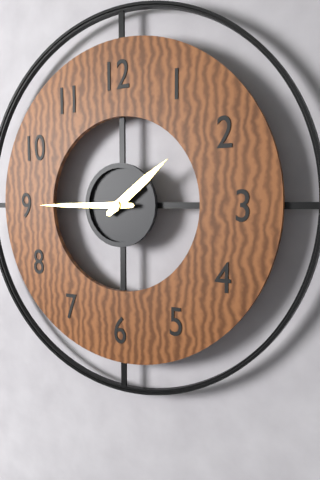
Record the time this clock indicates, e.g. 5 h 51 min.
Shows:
1 h 45 min
